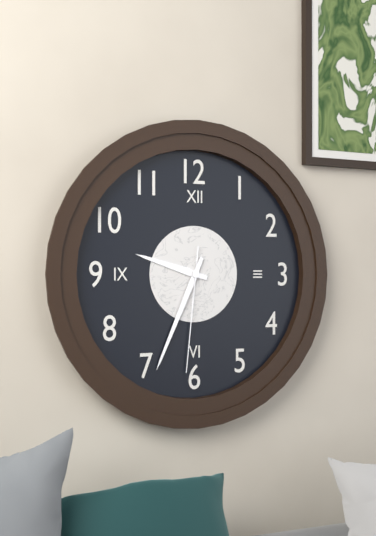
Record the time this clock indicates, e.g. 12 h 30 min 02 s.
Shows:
9 h 34 min 31 s
